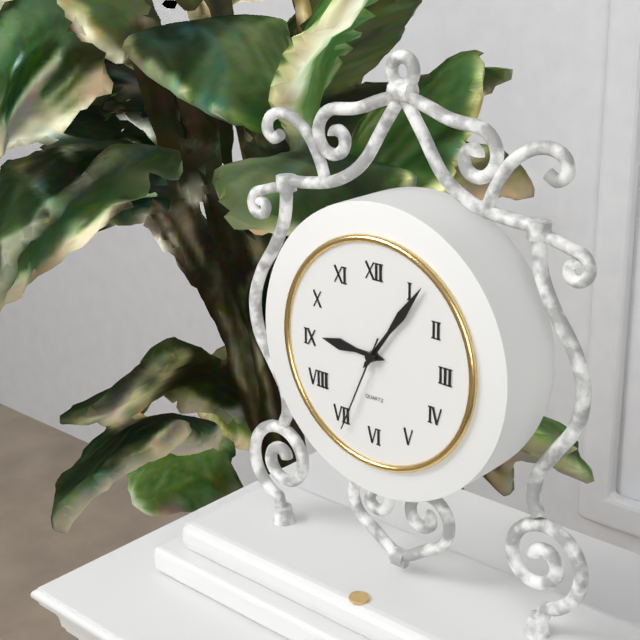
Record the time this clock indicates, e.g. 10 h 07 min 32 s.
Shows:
9 h 06 min 34 s
